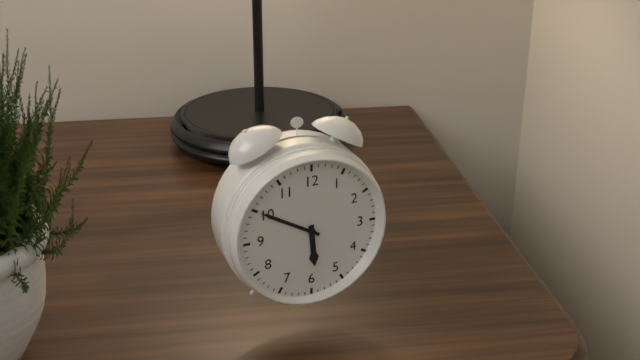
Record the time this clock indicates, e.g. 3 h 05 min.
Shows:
5 h 50 min
